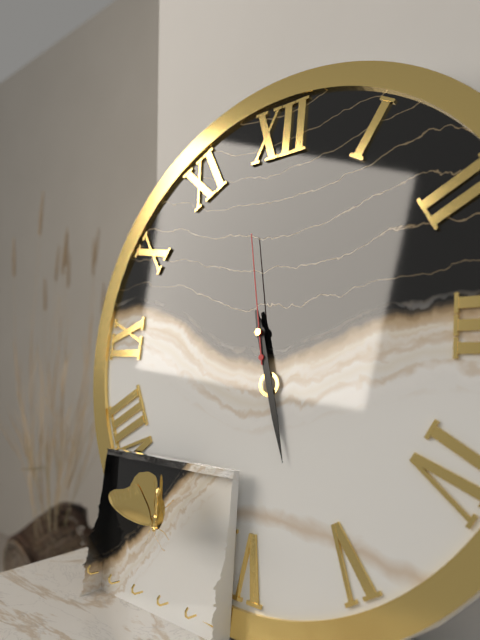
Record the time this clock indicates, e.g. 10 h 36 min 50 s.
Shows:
5 h 27 min 58 s
